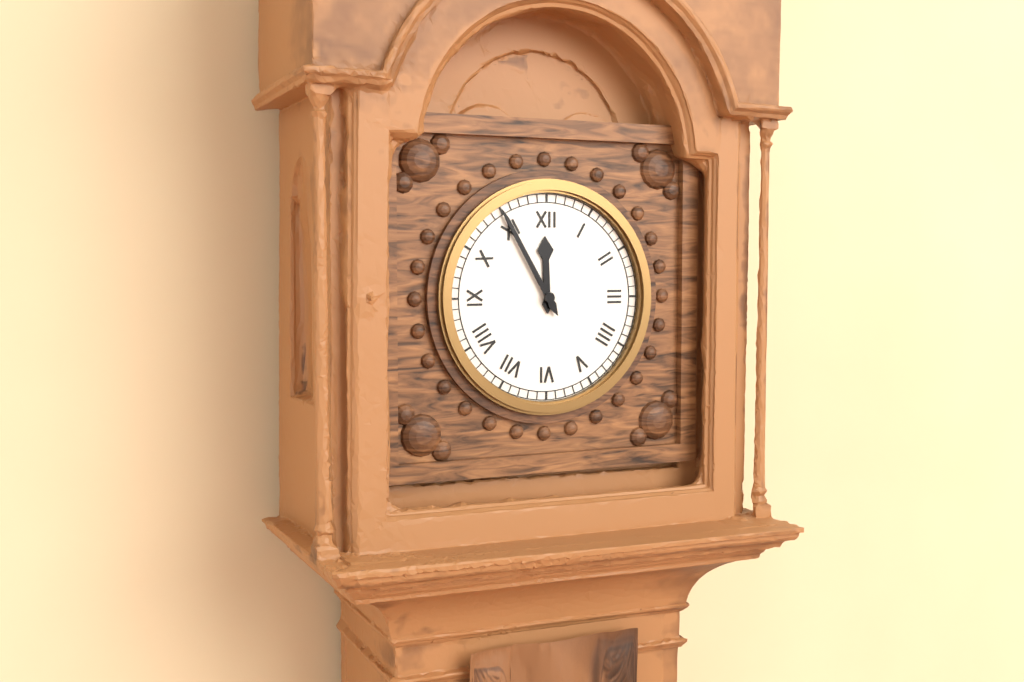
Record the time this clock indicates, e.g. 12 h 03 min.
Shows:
11 h 55 min
